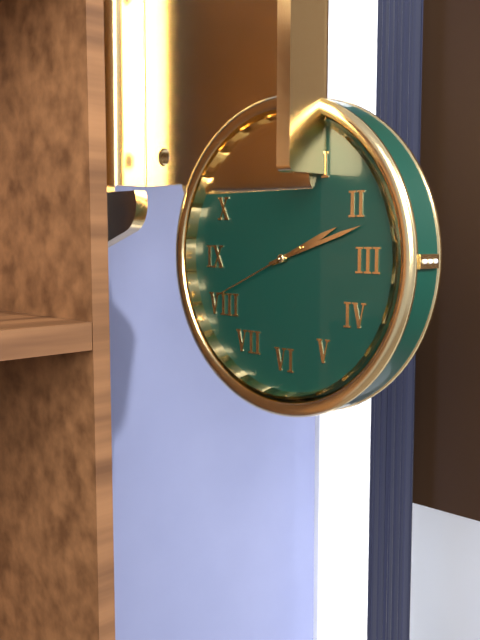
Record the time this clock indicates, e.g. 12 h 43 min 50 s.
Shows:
2 h 12 min 41 s
